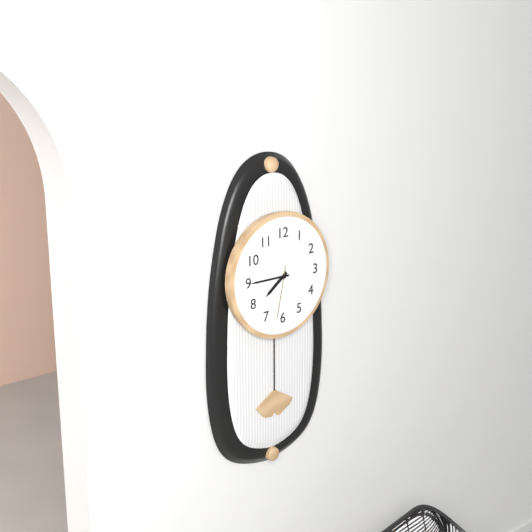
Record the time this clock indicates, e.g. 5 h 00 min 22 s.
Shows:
7 h 45 min 32 s
